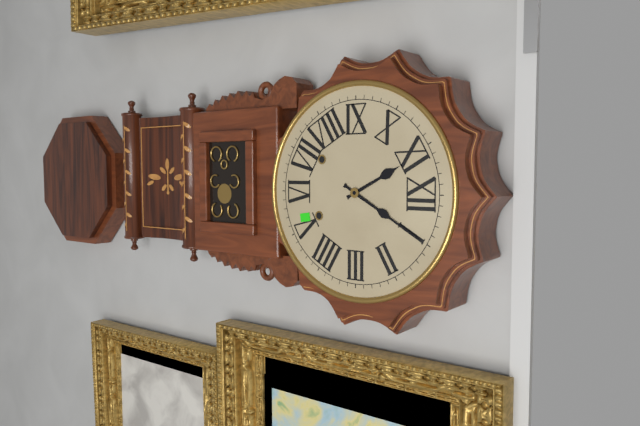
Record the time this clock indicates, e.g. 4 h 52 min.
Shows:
11 h 05 min
